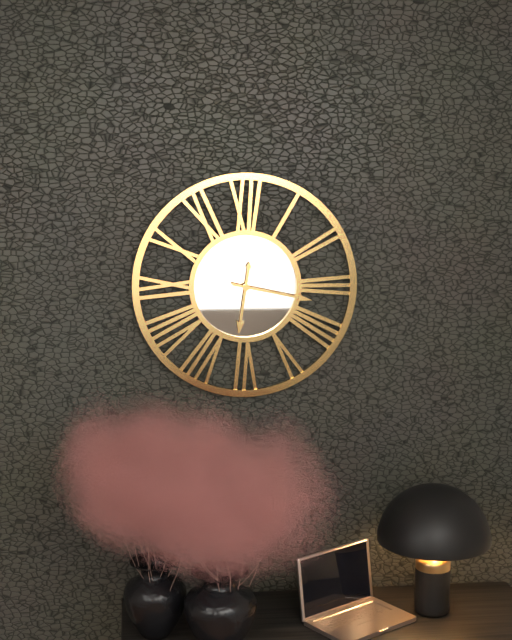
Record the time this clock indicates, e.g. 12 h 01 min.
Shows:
6 h 17 min
